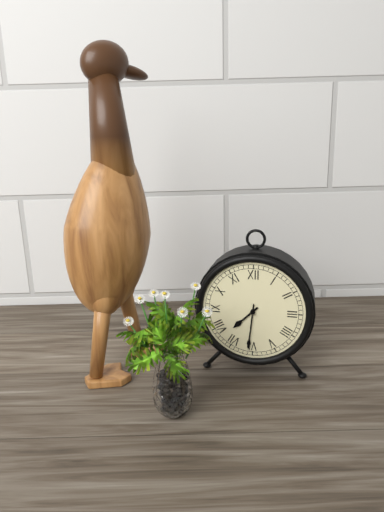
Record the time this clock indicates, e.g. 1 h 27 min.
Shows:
7 h 31 min
